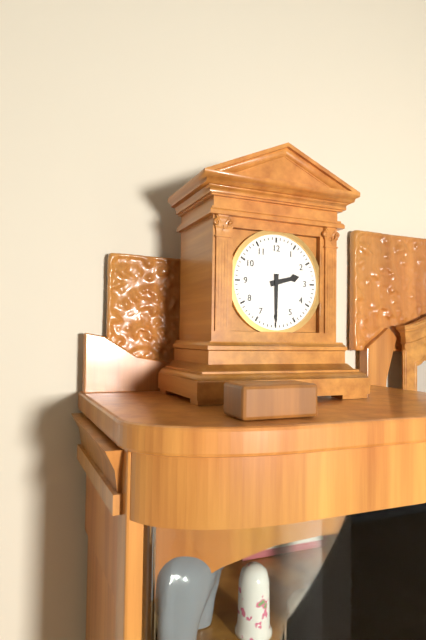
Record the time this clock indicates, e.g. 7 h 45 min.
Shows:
2 h 30 min
